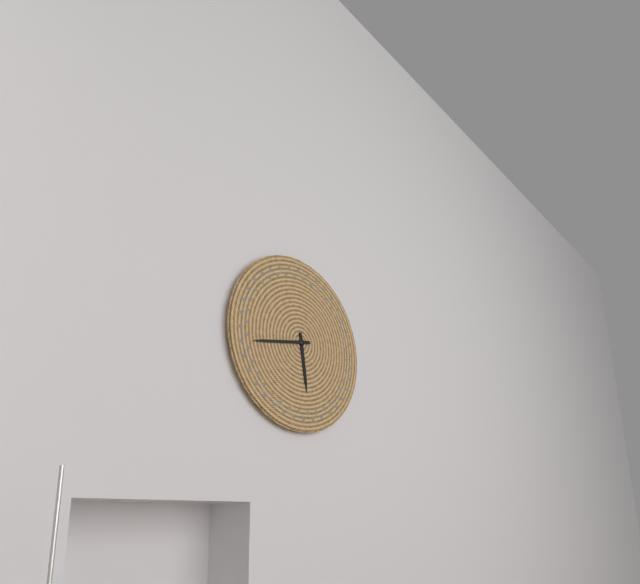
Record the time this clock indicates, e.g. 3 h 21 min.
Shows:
5 h 43 min
